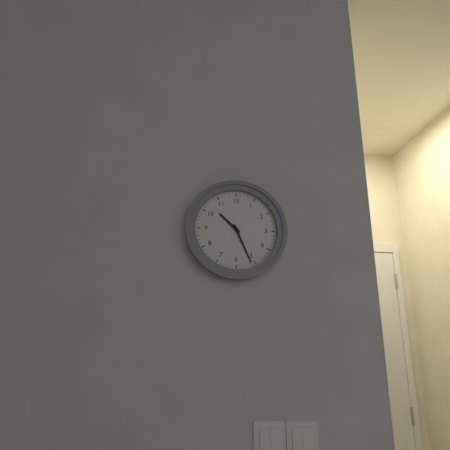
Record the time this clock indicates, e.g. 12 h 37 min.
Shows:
10 h 26 min
